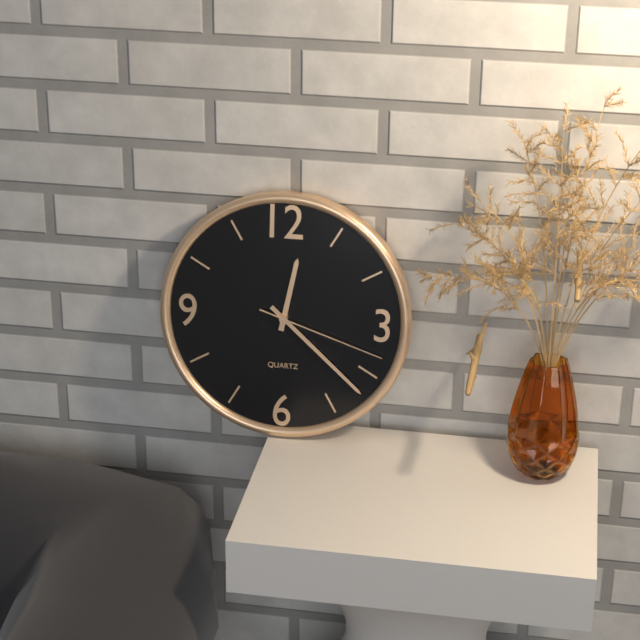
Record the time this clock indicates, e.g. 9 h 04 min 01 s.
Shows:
12 h 22 min 18 s
